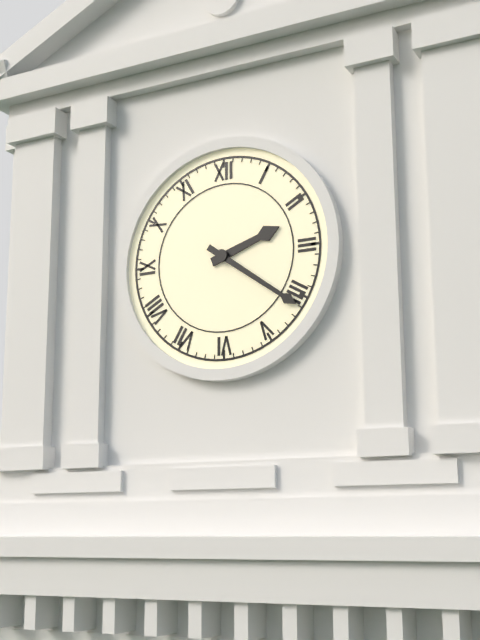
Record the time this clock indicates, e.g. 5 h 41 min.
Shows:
2 h 21 min
